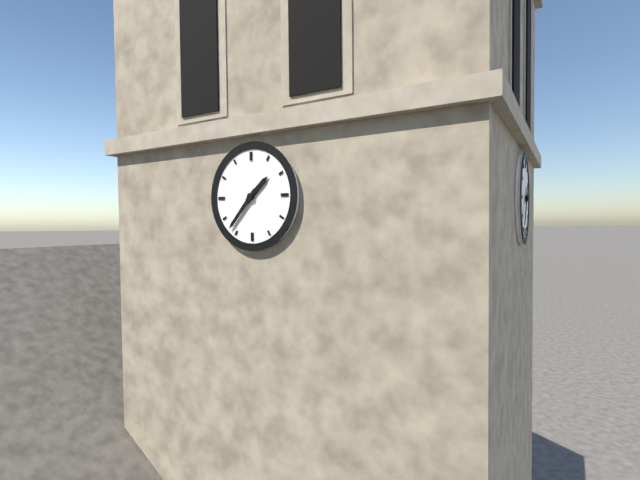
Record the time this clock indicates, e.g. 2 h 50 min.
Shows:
1 h 37 min
